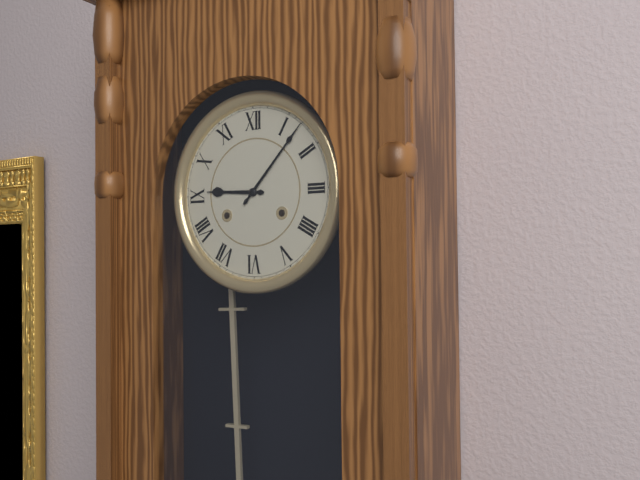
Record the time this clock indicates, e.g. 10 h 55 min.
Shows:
9 h 07 min
